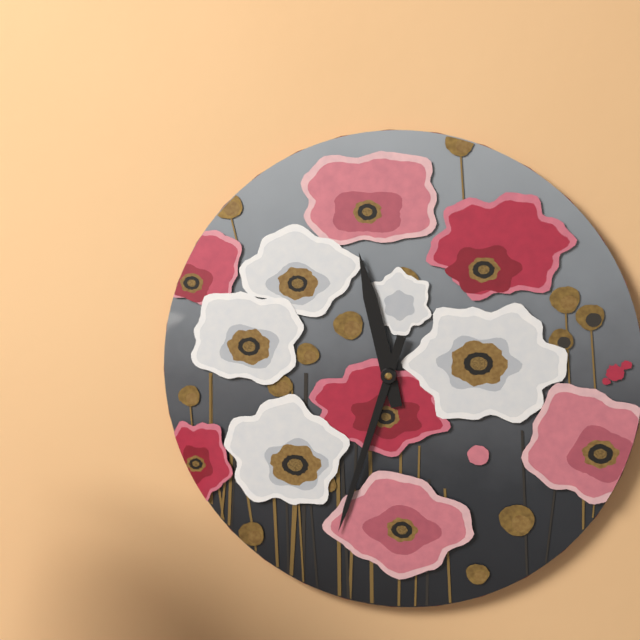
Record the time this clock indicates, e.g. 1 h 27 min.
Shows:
11 h 33 min
